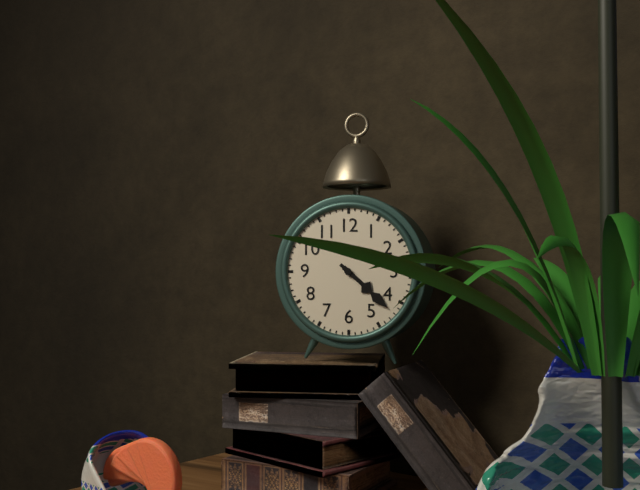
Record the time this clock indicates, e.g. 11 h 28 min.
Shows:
4 h 22 min
